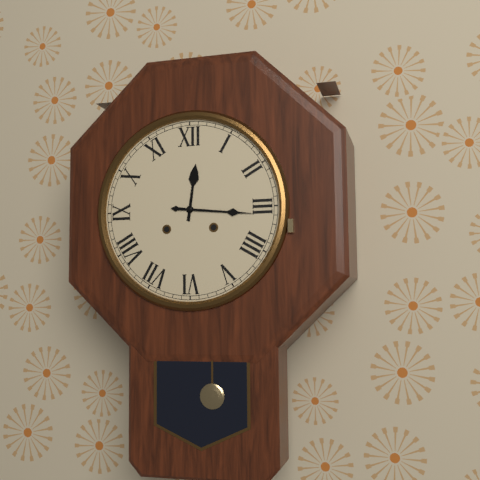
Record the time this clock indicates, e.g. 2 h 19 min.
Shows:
12 h 16 min
